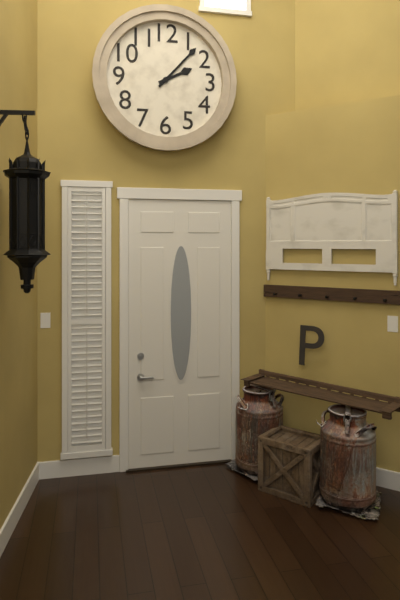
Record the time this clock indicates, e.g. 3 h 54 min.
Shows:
2 h 07 min
